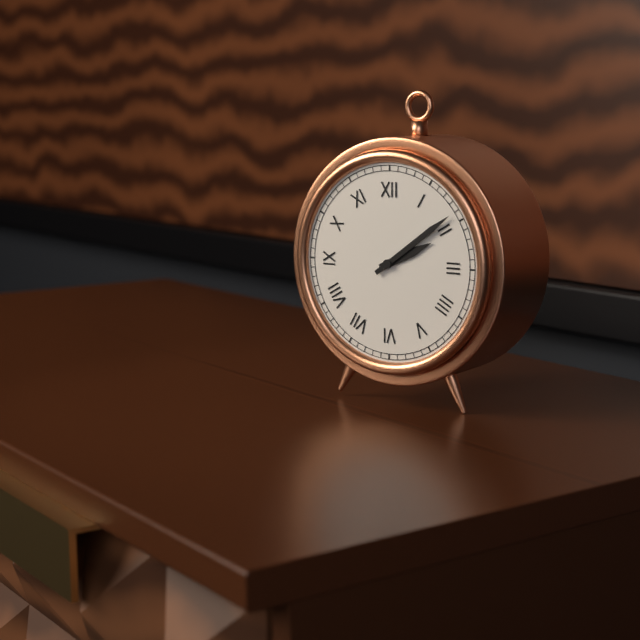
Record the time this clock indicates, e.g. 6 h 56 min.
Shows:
2 h 09 min
